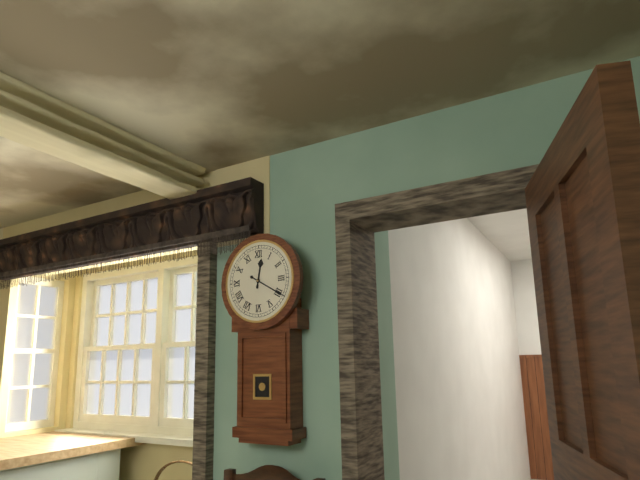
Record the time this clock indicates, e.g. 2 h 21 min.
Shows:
12 h 20 min
